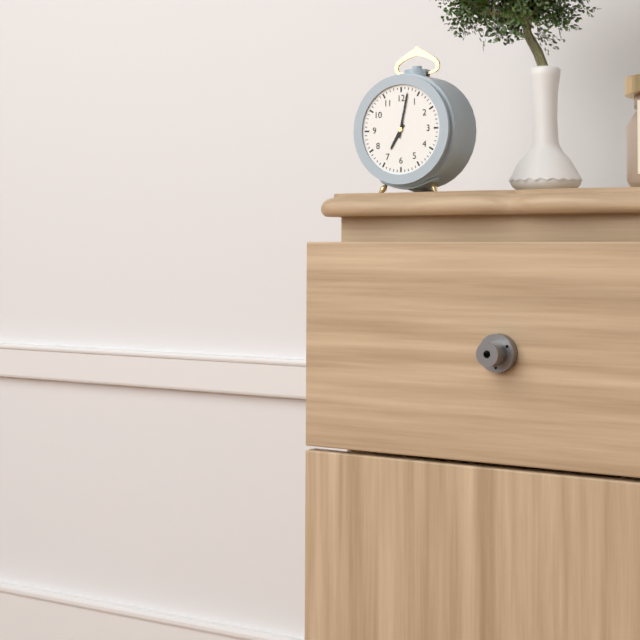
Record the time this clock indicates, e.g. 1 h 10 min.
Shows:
7 h 02 min
